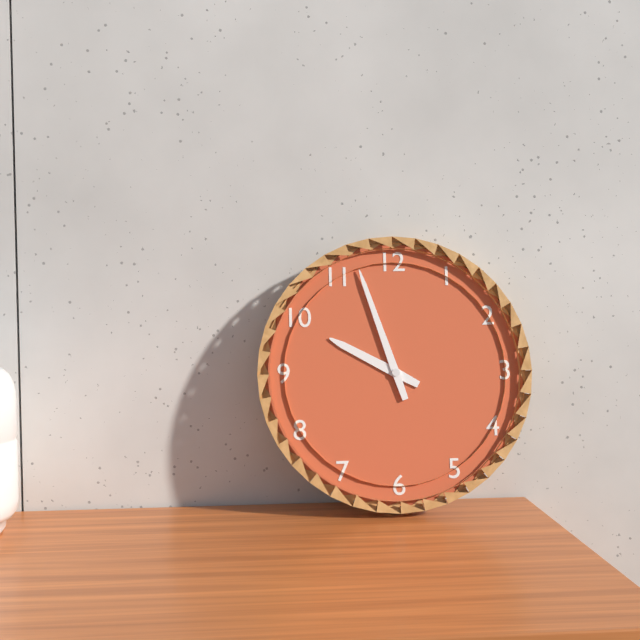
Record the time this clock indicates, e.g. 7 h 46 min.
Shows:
9 h 57 min
